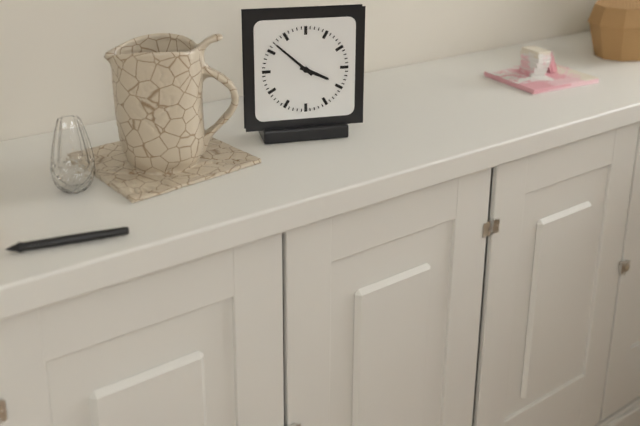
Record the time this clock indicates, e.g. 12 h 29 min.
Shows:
3 h 52 min
